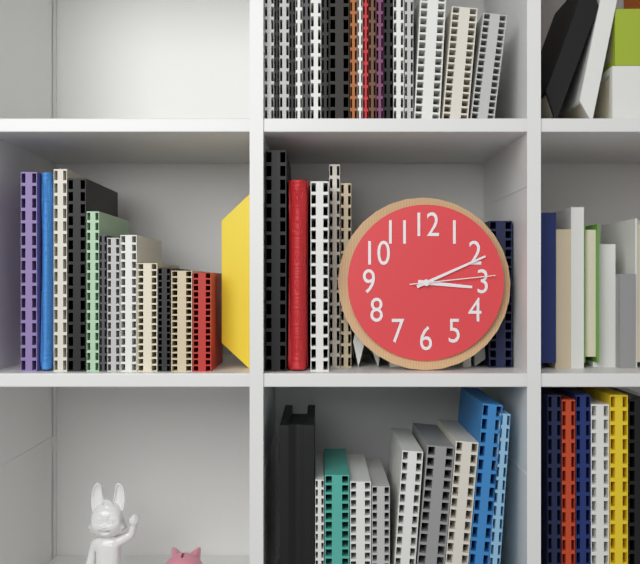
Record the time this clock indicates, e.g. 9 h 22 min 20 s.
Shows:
3 h 11 min 14 s
